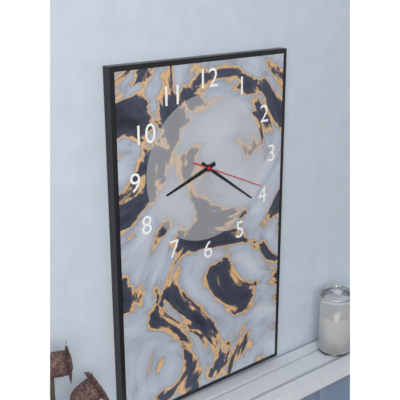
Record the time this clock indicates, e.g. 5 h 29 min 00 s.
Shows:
8 h 21 min 19 s
